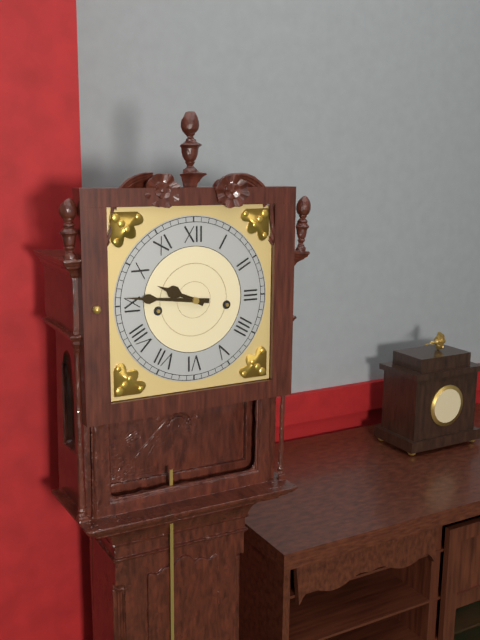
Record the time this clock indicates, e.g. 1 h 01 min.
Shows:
9 h 46 min
